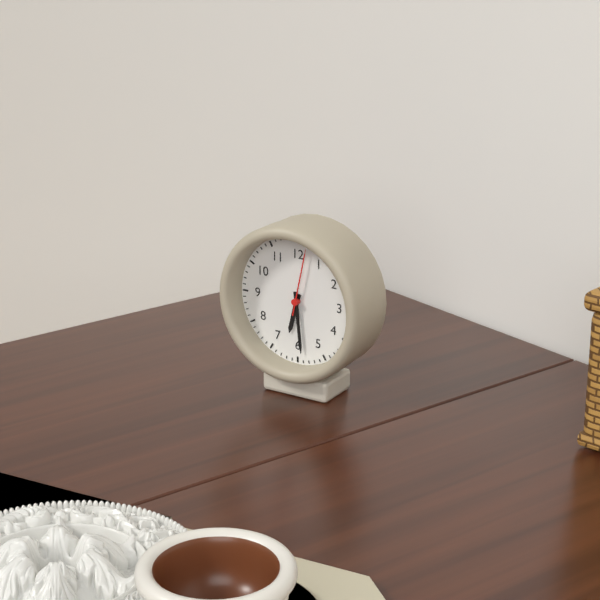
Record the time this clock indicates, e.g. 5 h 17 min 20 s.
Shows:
6 h 29 min 02 s
